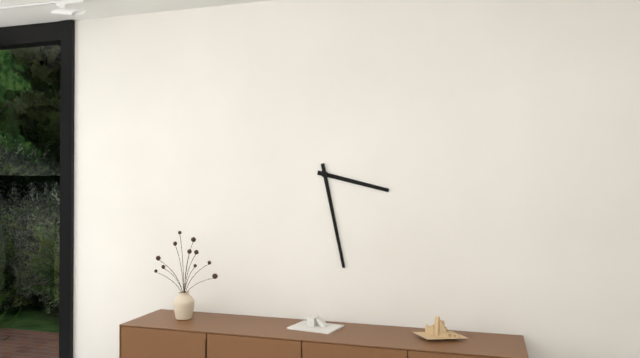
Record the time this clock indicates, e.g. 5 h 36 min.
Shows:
3 h 28 min
